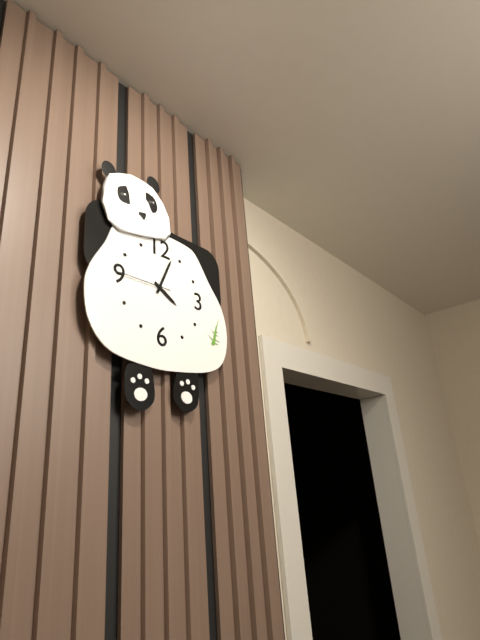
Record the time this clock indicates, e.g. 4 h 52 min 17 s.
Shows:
4 h 04 min 45 s
